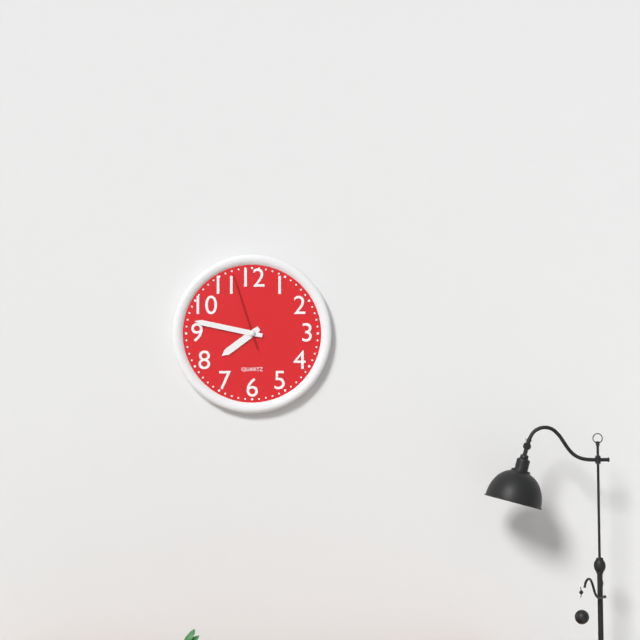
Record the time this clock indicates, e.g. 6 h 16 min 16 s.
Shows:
7 h 47 min 57 s
